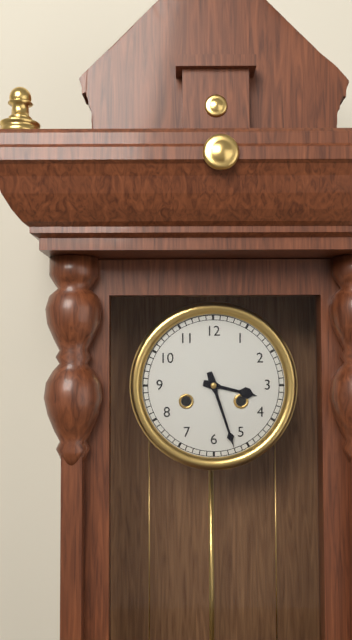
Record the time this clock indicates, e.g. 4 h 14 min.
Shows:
3 h 27 min
